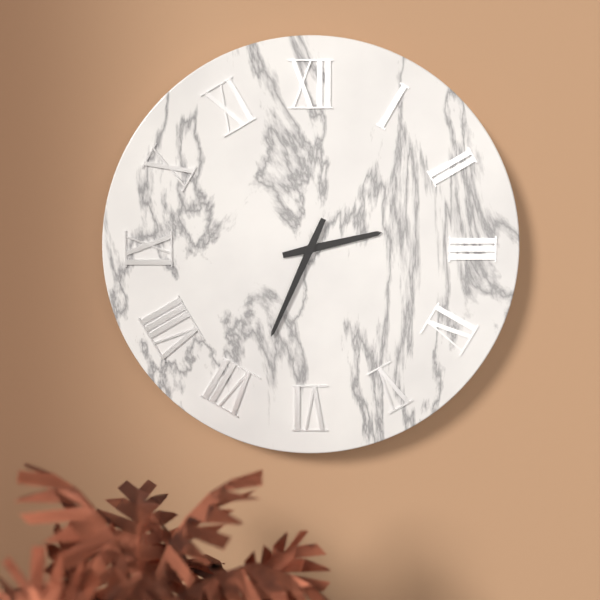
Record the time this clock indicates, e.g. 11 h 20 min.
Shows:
2 h 34 min
